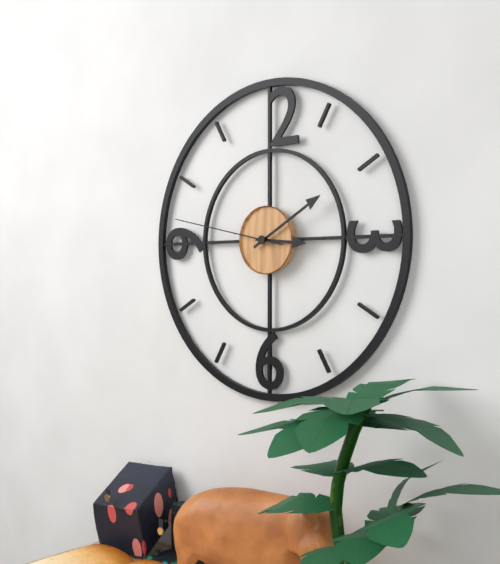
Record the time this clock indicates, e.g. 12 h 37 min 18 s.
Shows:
3 h 10 min 47 s
